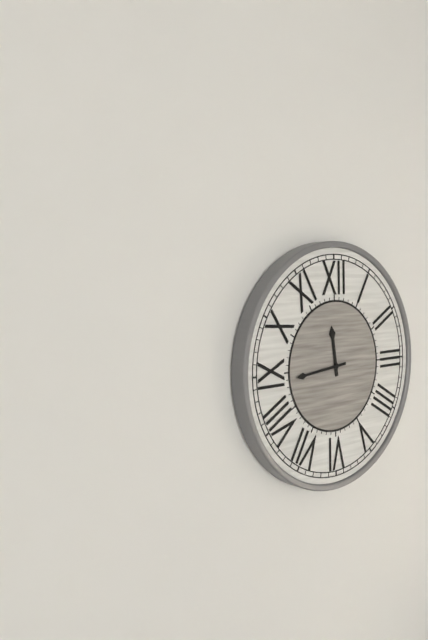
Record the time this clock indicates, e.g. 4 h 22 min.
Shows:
11 h 44 min
